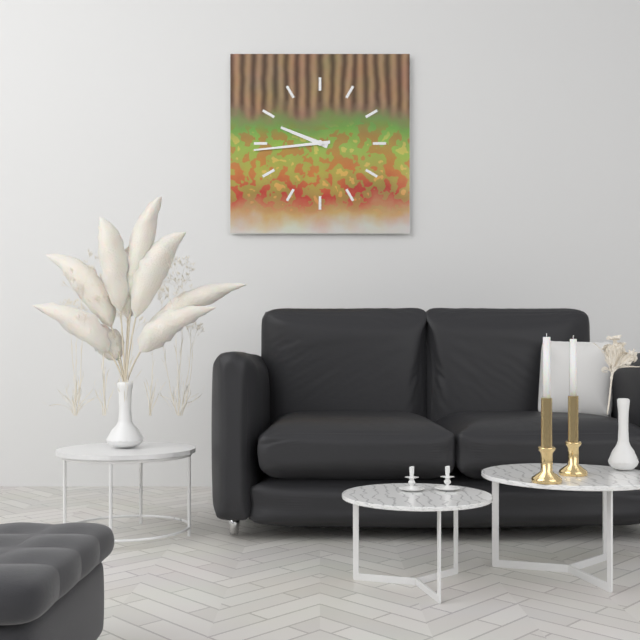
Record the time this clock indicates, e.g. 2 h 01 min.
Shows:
9 h 44 min
